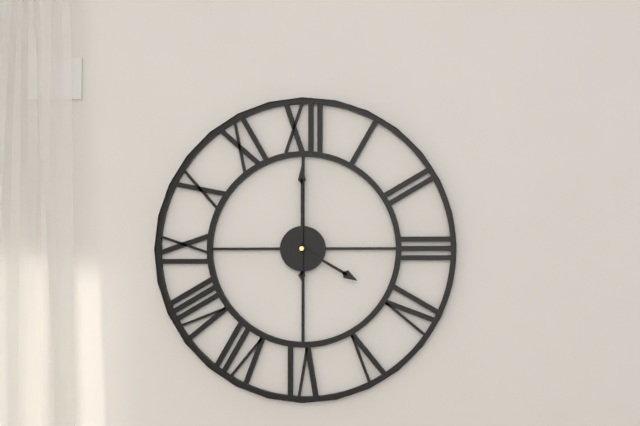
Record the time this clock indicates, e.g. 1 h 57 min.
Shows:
4 h 00 min
